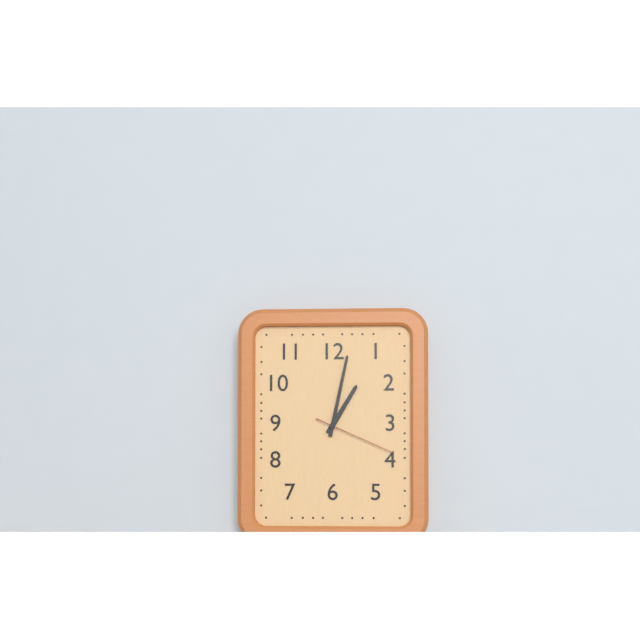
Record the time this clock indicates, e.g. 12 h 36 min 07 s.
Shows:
1 h 02 min 19 s
